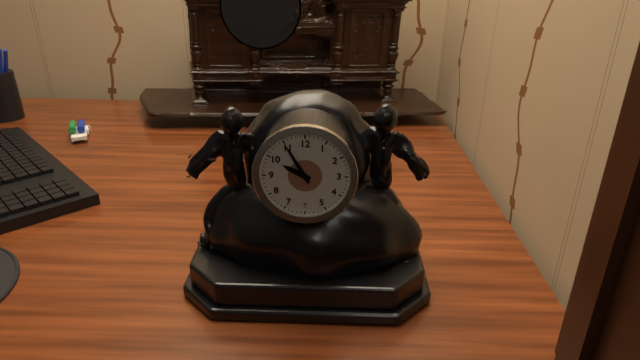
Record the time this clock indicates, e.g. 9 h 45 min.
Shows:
9 h 55 min
